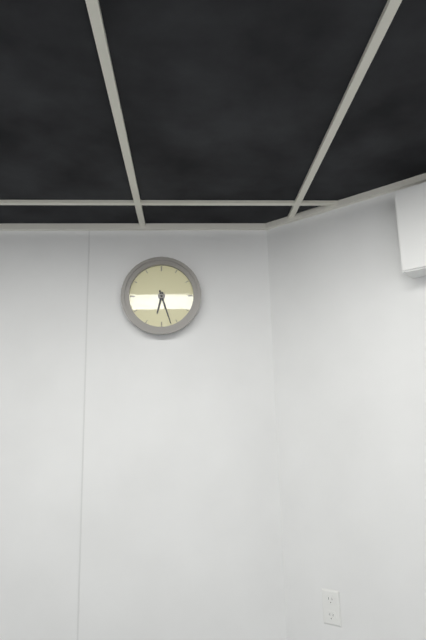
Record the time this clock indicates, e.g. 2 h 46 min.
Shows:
6 h 27 min
